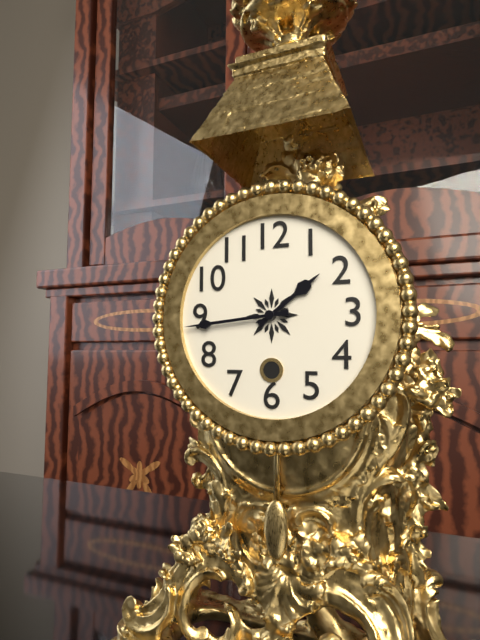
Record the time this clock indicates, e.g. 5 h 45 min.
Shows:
1 h 44 min
